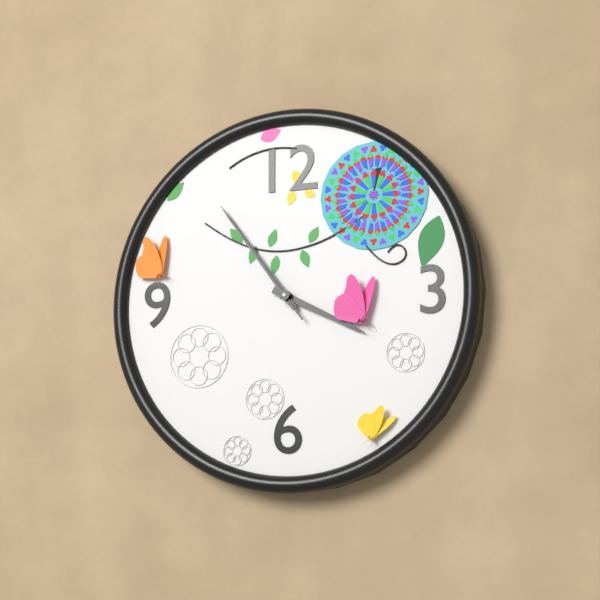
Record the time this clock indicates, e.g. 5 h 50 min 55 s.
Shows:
3 h 54 min 54 s
